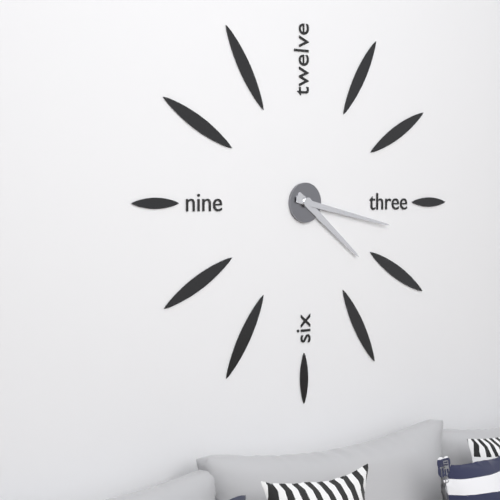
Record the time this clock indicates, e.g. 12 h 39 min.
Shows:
4 h 17 min
